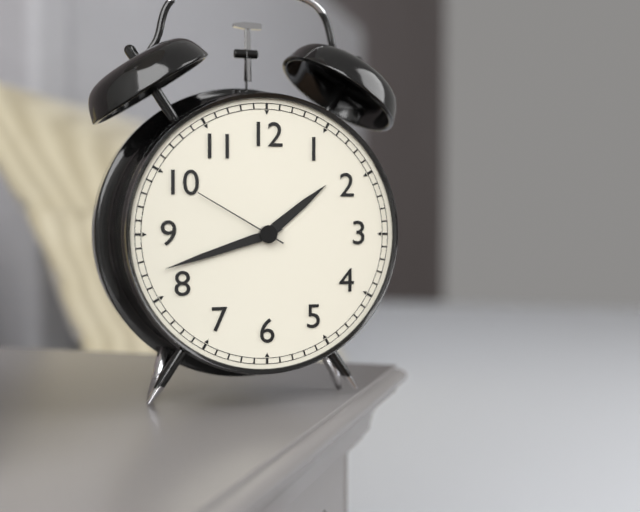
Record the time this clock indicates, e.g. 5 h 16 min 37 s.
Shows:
1 h 42 min 50 s
